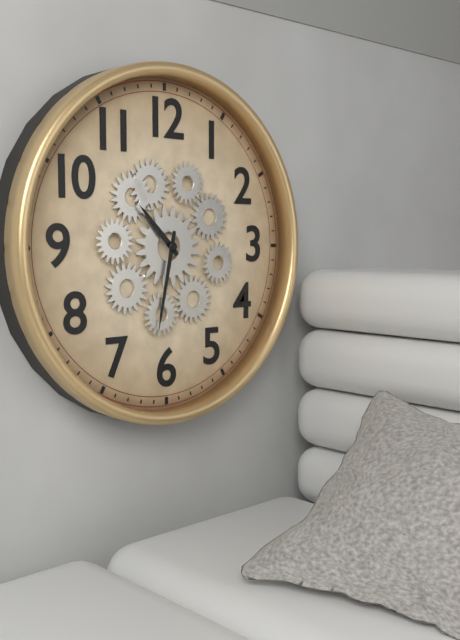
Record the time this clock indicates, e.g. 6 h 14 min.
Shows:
10 h 32 min
